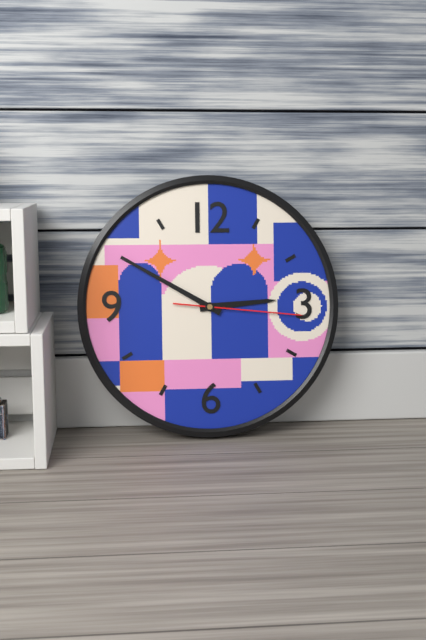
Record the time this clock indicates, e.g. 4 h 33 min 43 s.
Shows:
2 h 50 min 16 s
